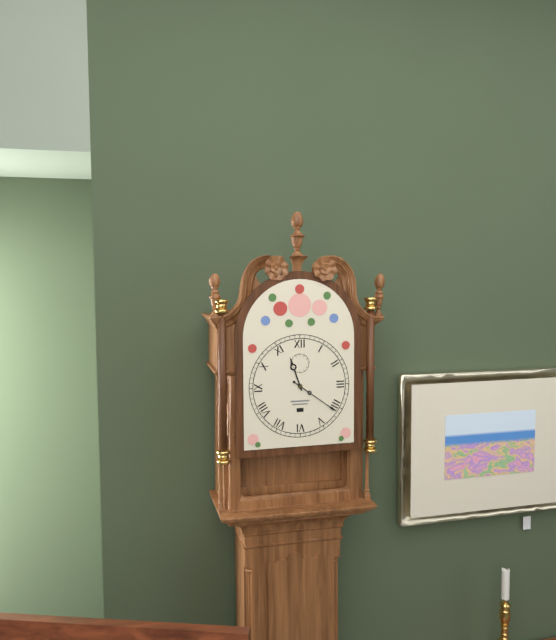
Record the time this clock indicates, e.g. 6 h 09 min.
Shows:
11 h 21 min
